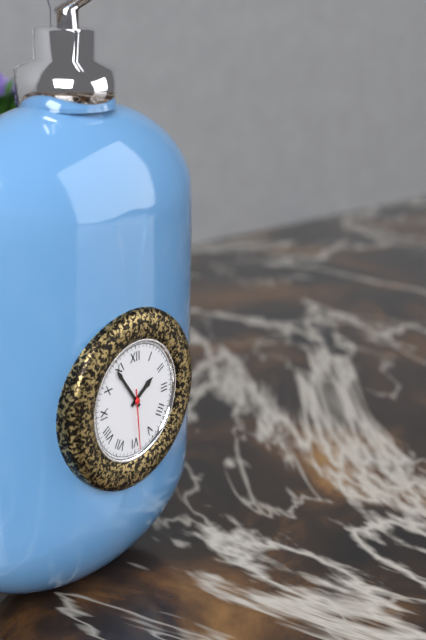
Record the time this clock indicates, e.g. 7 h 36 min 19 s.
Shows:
1 h 54 min 29 s
